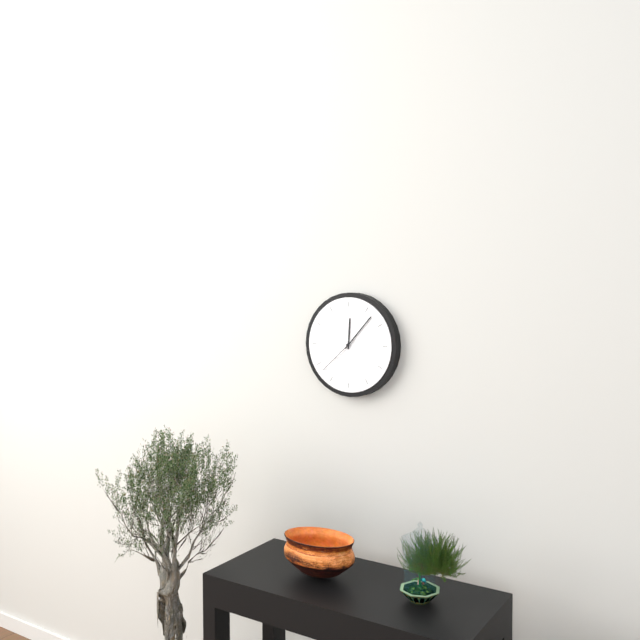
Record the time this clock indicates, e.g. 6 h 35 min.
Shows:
12 h 07 min
